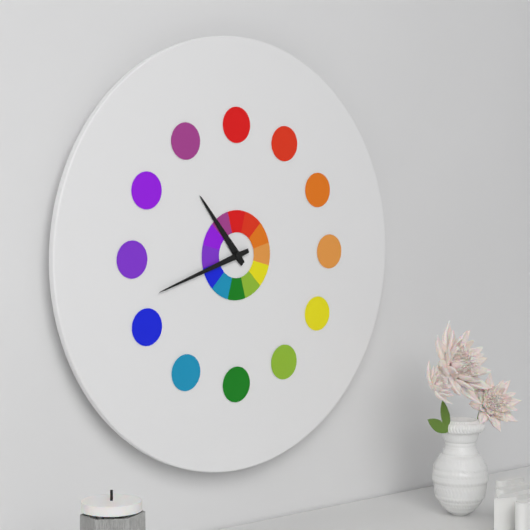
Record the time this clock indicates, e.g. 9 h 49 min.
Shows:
10 h 42 min
